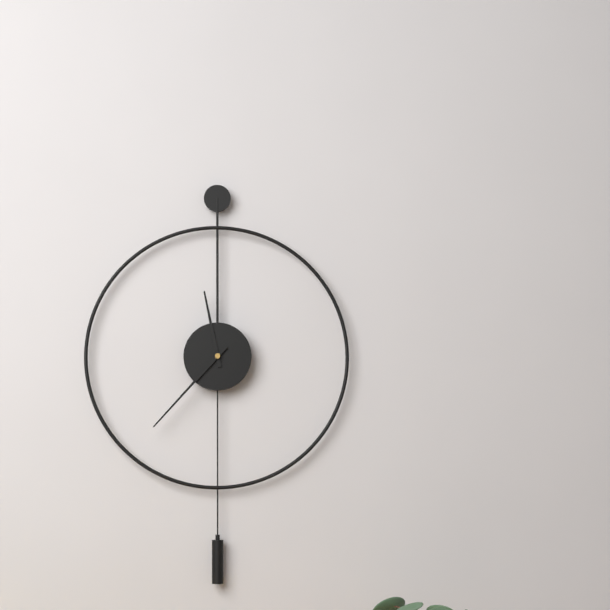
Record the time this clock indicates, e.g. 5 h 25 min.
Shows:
11 h 37 min
